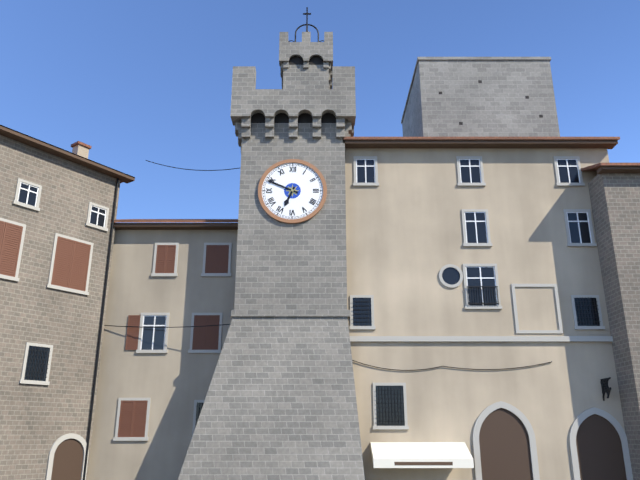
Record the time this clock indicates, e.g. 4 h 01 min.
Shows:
6 h 49 min
